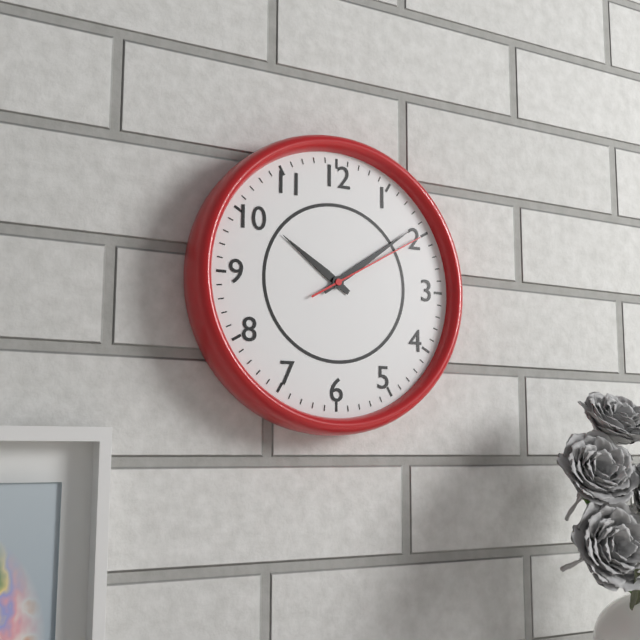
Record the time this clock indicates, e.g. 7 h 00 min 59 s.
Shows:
10 h 09 min 10 s
